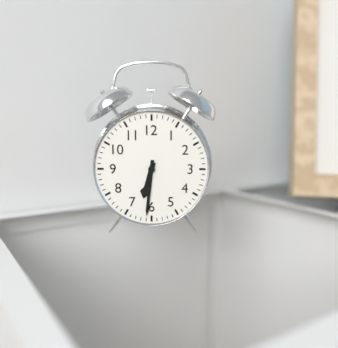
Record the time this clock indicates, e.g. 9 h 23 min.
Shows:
6 h 31 min
